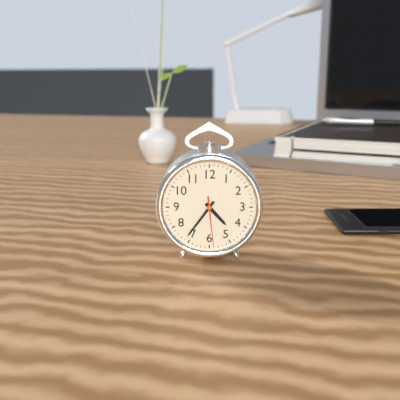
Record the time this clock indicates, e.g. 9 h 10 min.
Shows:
4 h 36 min
